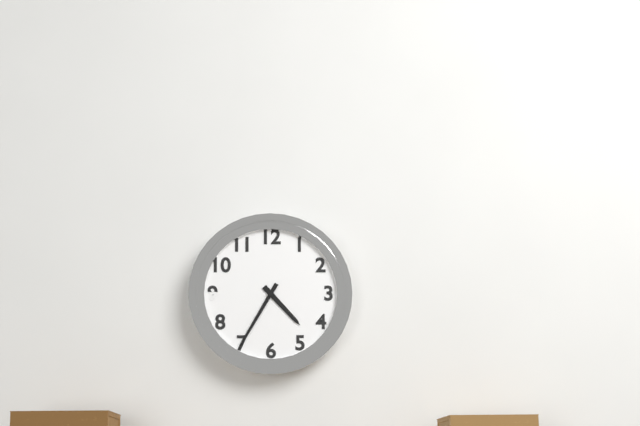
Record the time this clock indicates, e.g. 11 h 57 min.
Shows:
4 h 35 min
